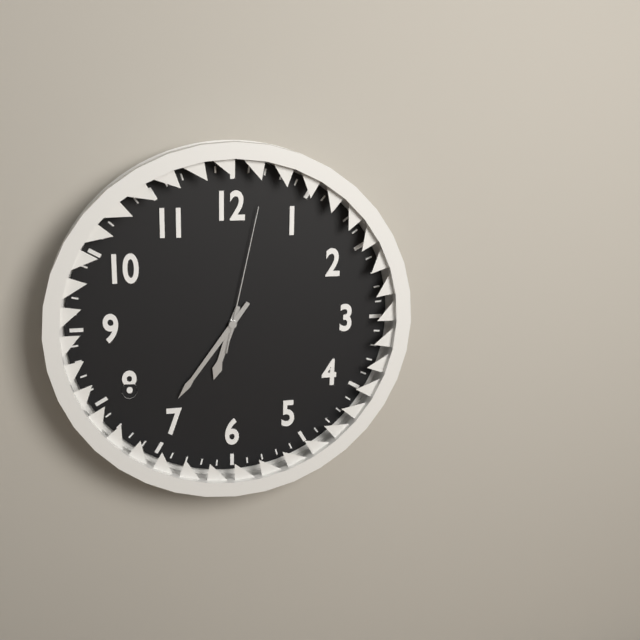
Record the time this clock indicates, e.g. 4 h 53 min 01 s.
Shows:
6 h 36 min 02 s
